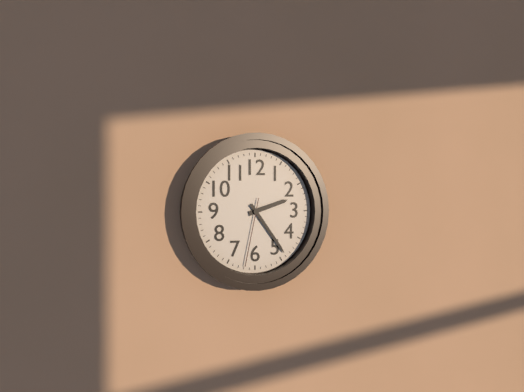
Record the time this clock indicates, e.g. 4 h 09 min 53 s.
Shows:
2 h 24 min 32 s
